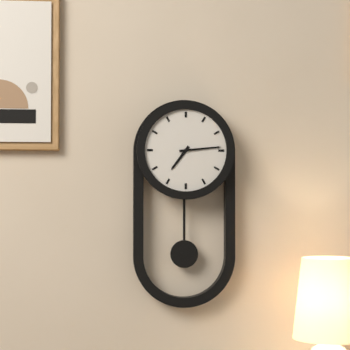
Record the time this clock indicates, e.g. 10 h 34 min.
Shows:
7 h 14 min
